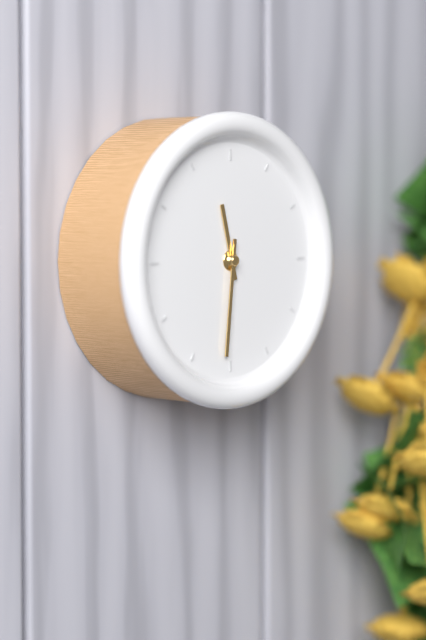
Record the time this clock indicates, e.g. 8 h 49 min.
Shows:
11 h 31 min
